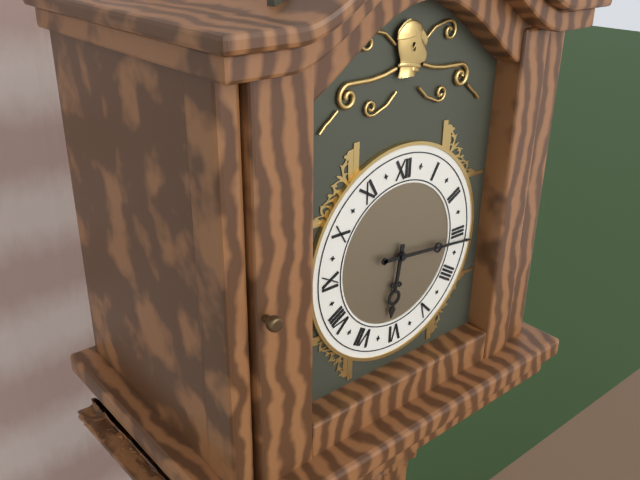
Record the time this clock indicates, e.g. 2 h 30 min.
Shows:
6 h 16 min
